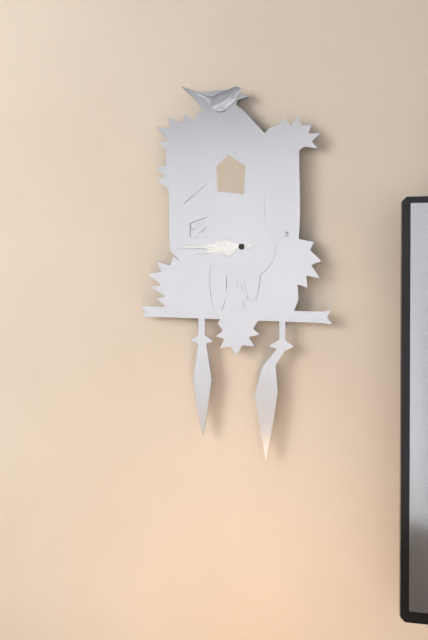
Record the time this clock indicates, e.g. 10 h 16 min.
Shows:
8 h 45 min
